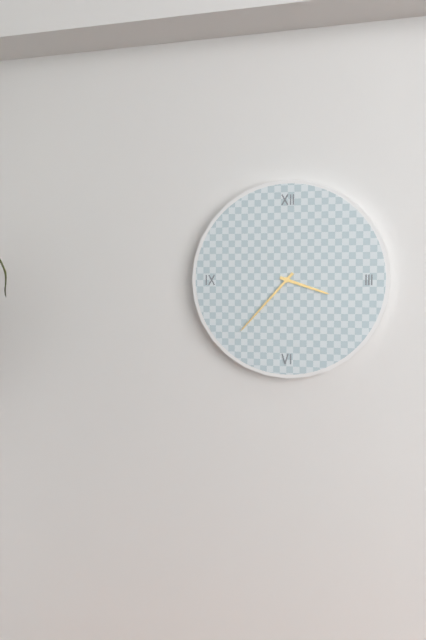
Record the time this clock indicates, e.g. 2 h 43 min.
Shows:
3 h 37 min
